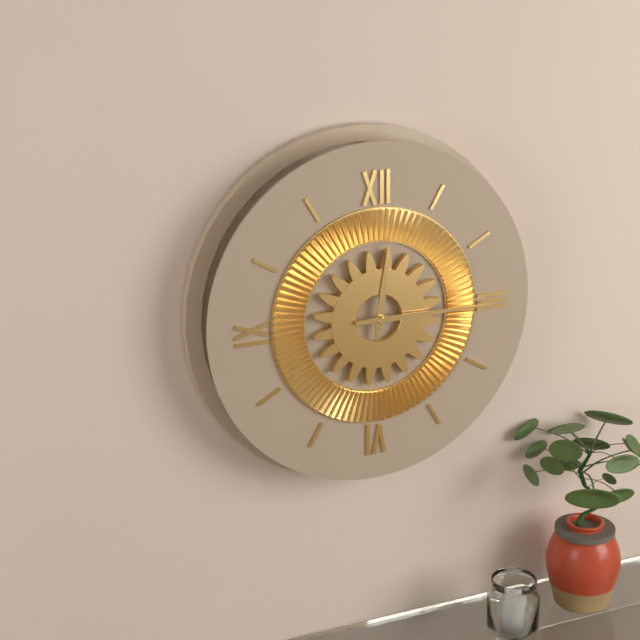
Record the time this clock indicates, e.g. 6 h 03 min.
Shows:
12 h 15 min
